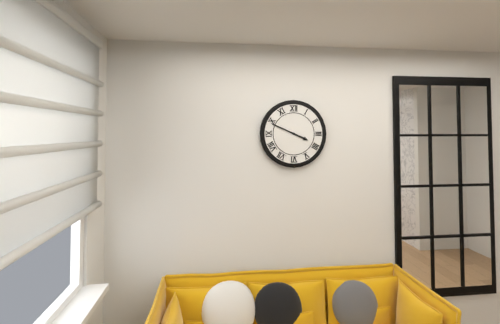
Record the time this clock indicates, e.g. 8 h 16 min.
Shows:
3 h 49 min
